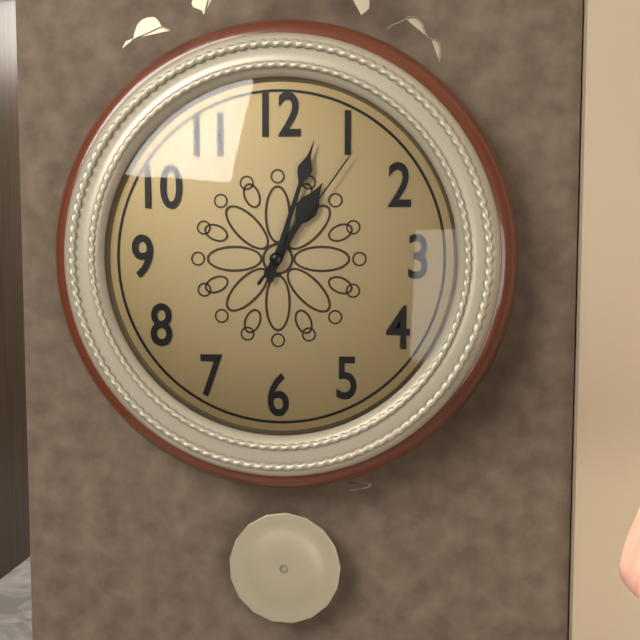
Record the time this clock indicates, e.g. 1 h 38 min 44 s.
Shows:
1 h 03 min 06 s
